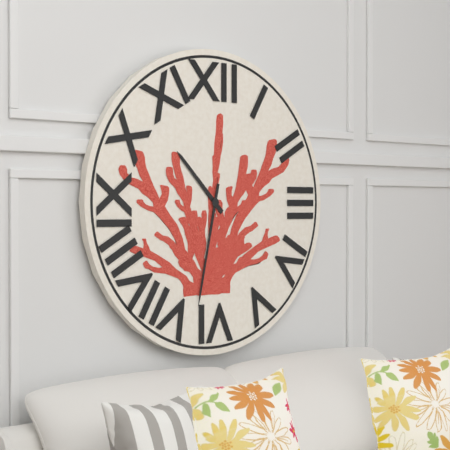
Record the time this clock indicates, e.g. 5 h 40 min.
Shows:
10 h 32 min
